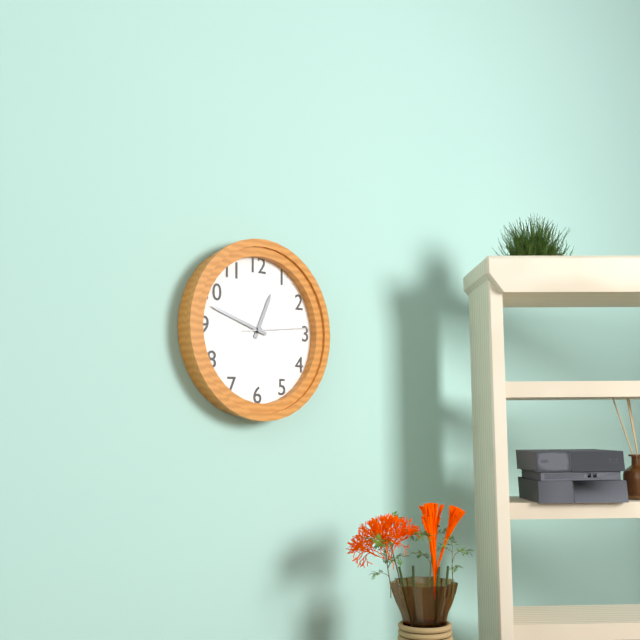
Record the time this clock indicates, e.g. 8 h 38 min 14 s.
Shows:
12 h 48 min 14 s
